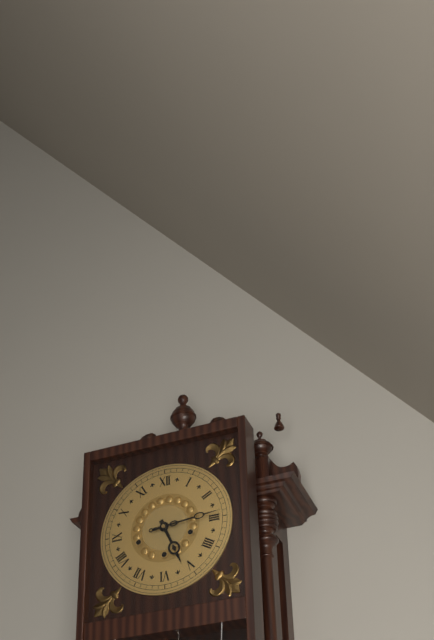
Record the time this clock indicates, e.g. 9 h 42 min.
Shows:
5 h 14 min
